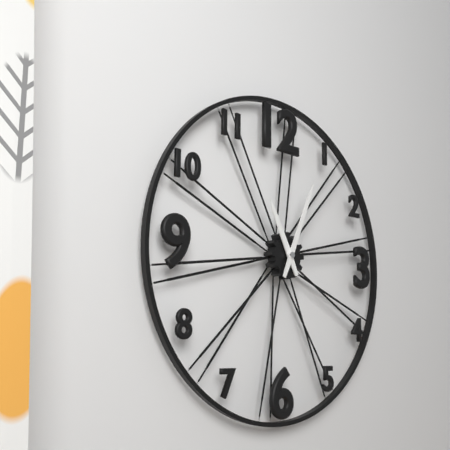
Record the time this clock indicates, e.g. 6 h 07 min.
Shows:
11 h 04 min
